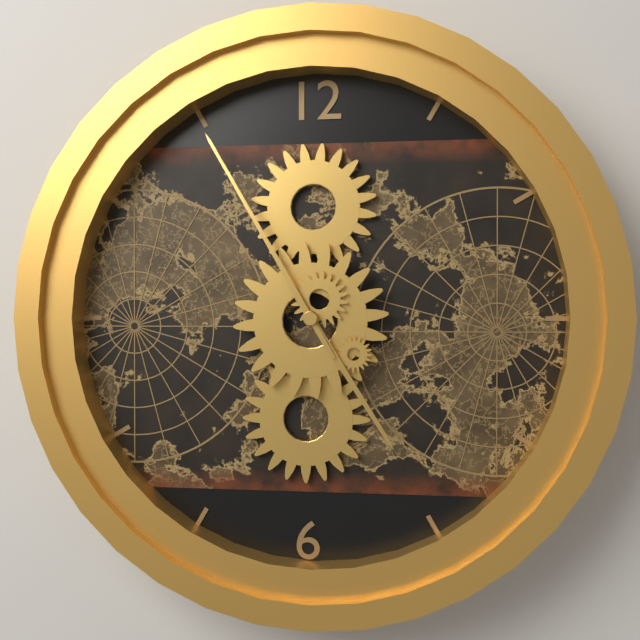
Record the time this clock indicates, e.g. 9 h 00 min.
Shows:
4 h 55 min
